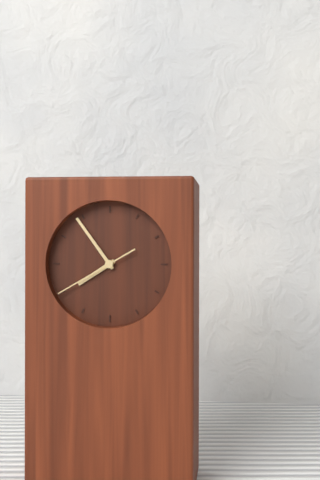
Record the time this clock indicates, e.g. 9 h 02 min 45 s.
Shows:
7 h 54 min 40 s
